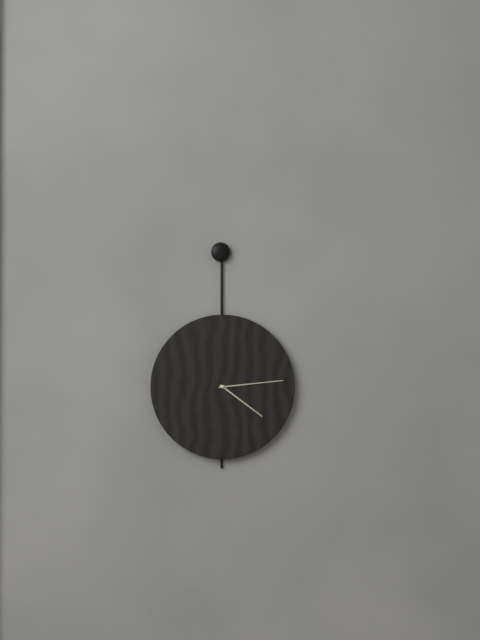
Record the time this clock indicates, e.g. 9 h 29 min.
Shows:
4 h 14 min
